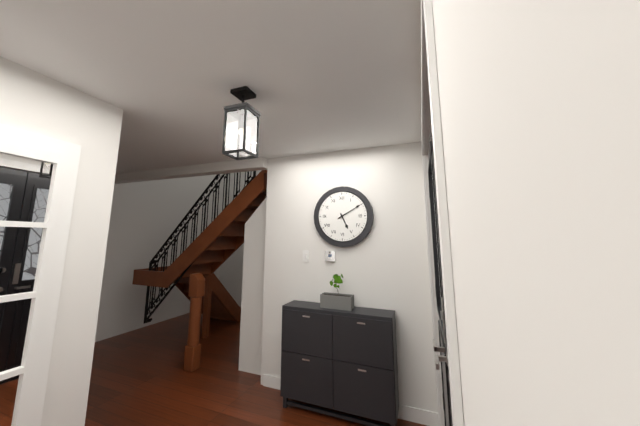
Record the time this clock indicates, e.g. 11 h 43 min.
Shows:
5 h 10 min
